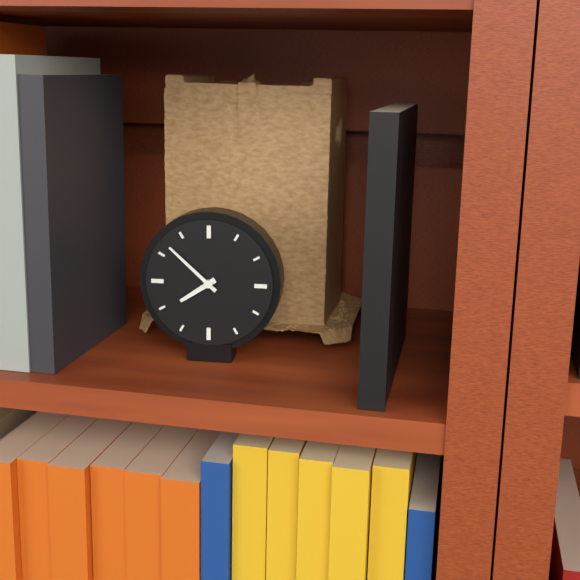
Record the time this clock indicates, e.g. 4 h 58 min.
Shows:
7 h 52 min
